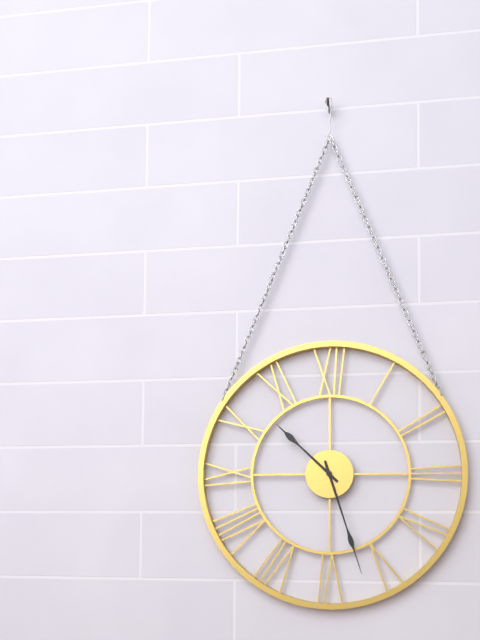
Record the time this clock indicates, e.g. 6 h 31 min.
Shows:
10 h 27 min
